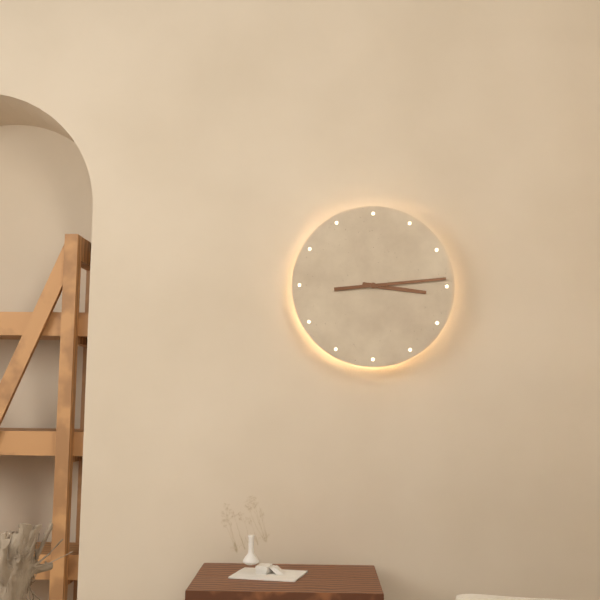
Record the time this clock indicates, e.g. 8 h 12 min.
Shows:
3 h 14 min
